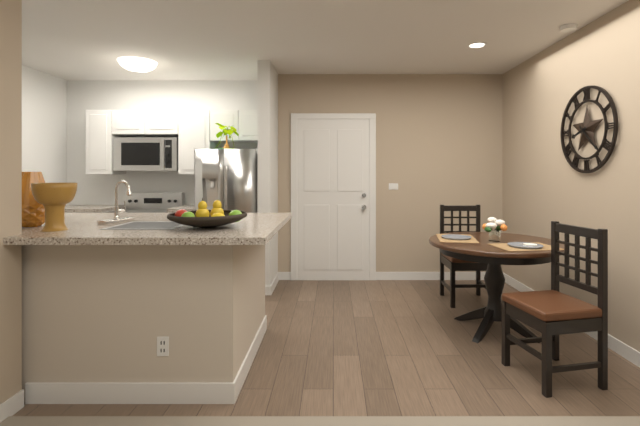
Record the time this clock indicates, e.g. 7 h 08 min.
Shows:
8 h 22 min
